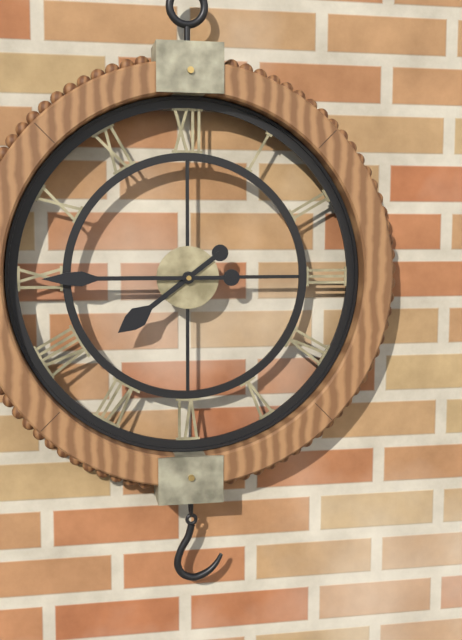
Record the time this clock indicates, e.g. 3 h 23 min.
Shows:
7 h 45 min
